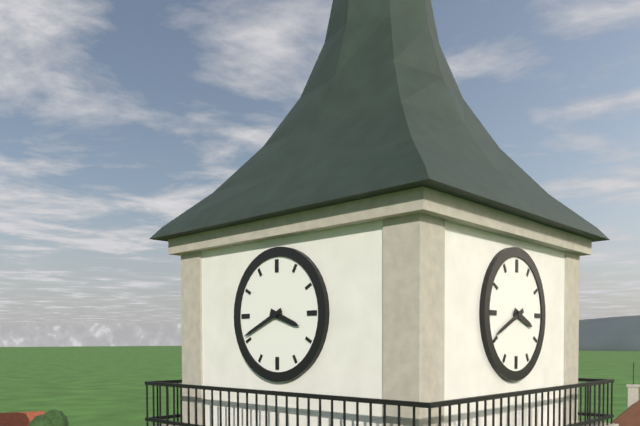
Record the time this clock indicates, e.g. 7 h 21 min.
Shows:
3 h 41 min
